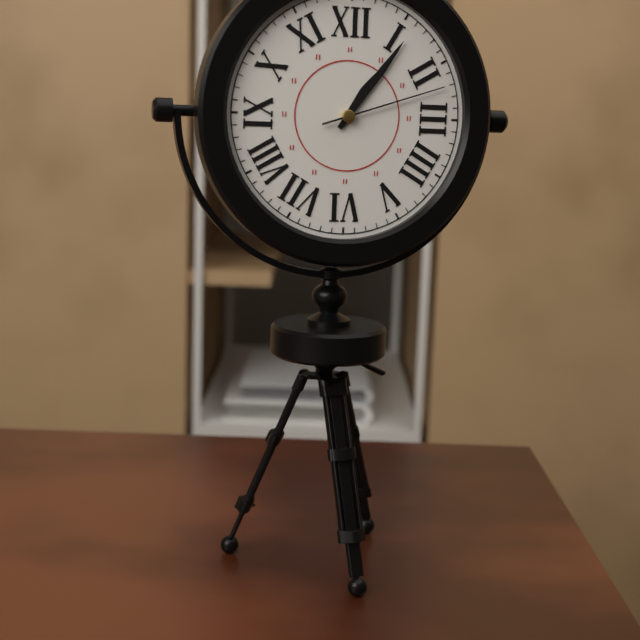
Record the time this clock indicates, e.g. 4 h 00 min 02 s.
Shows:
1 h 06 min 12 s
